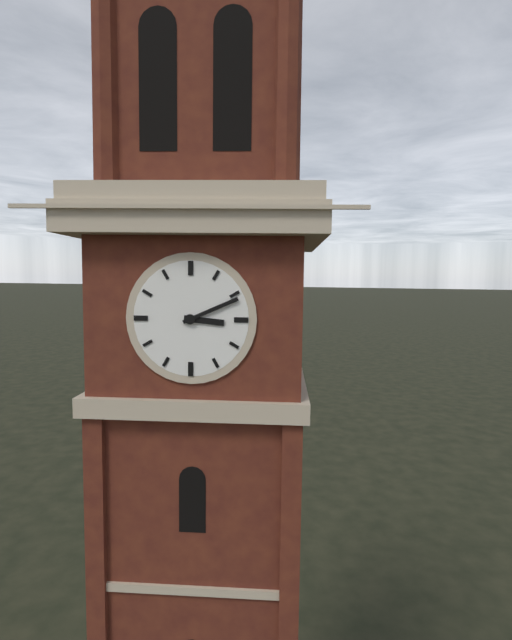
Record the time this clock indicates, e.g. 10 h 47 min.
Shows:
3 h 11 min
